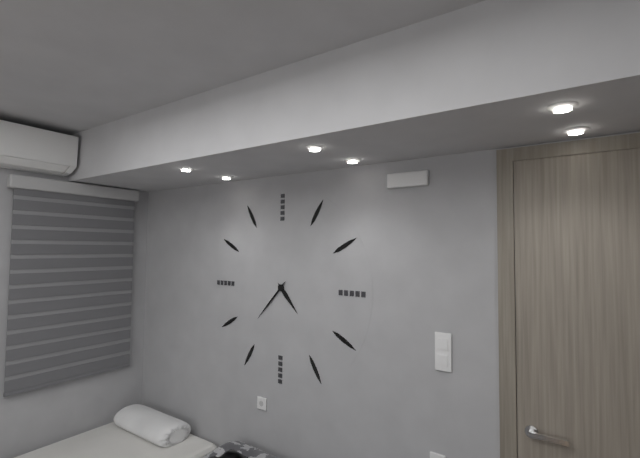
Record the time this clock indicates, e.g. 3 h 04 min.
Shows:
4 h 37 min
